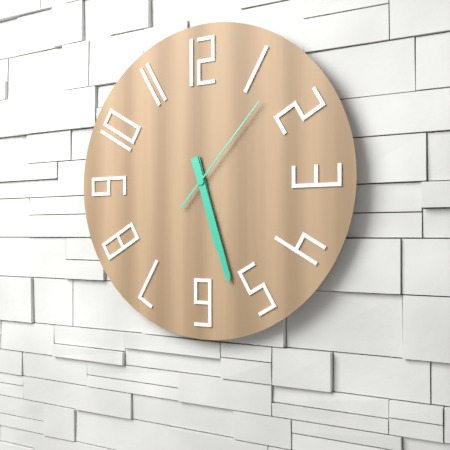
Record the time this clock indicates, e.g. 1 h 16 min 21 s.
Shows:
5 h 27 min 07 s
